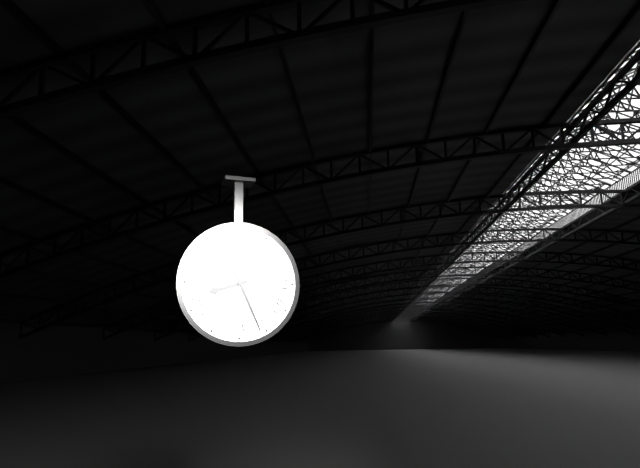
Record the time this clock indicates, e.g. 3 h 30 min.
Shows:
8 h 26 min
